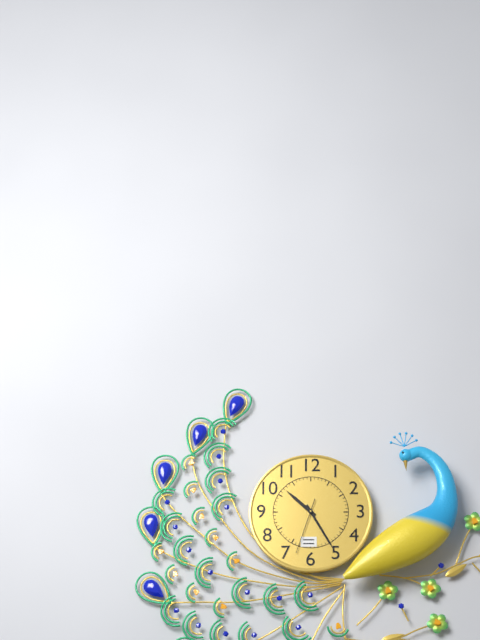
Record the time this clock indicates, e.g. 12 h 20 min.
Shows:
10 h 25 min
